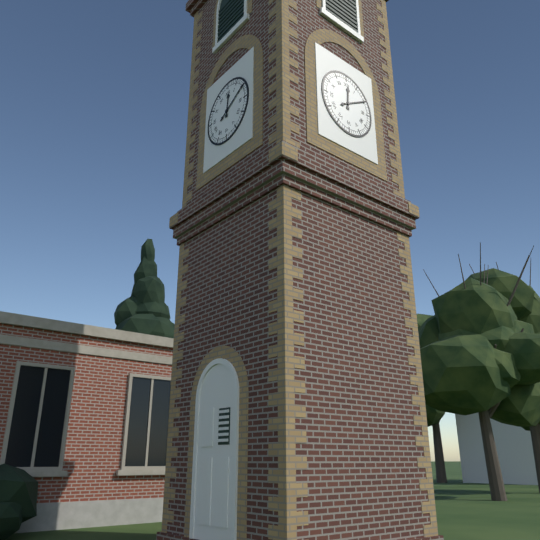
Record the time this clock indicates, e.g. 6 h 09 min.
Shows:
12 h 10 min
